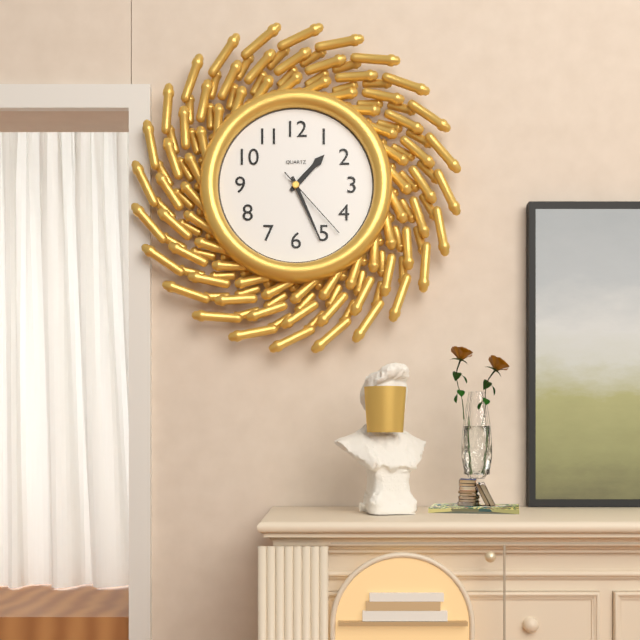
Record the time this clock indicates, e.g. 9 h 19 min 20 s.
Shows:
1 h 26 min 23 s
